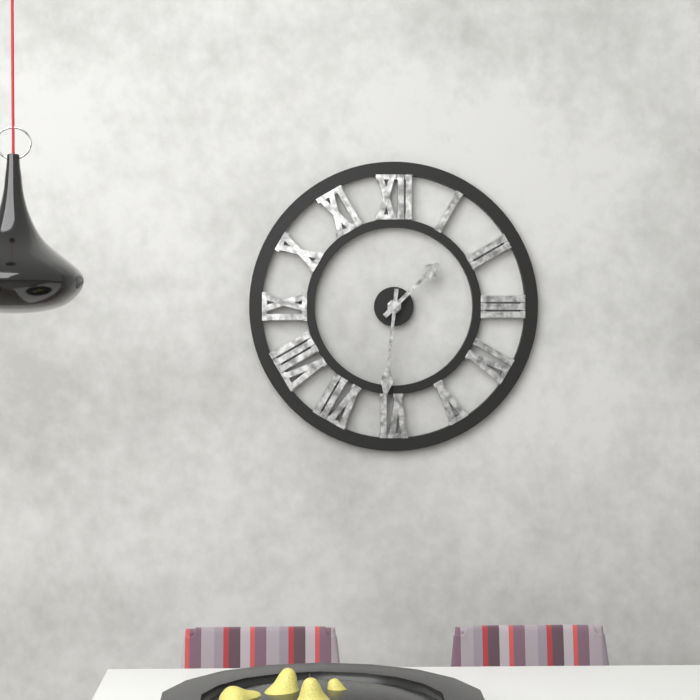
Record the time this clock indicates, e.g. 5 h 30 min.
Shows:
1 h 31 min
